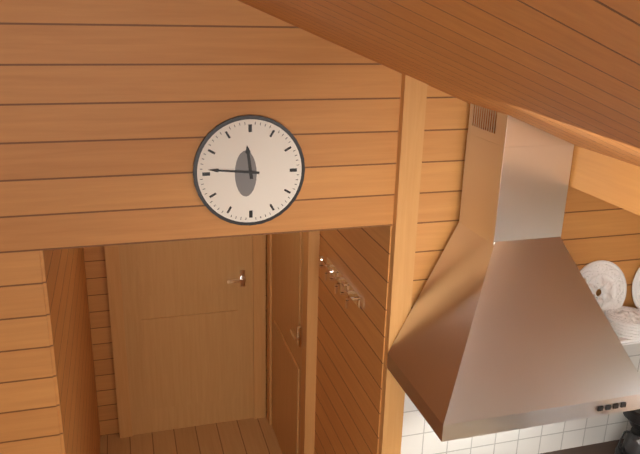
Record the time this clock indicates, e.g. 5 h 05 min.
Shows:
11 h 46 min
